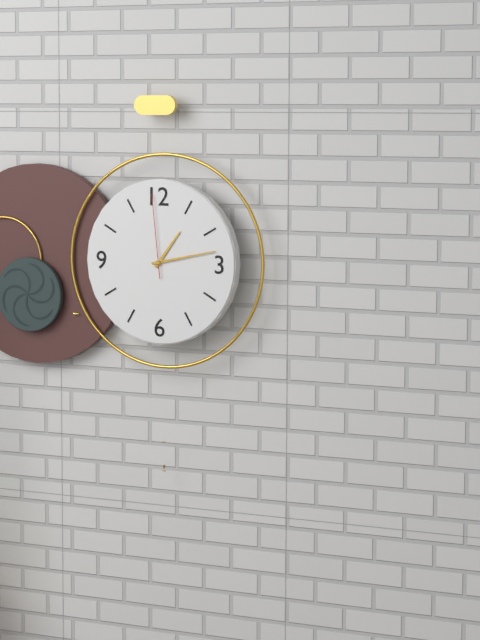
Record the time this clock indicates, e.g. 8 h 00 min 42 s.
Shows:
1 h 13 min 59 s
